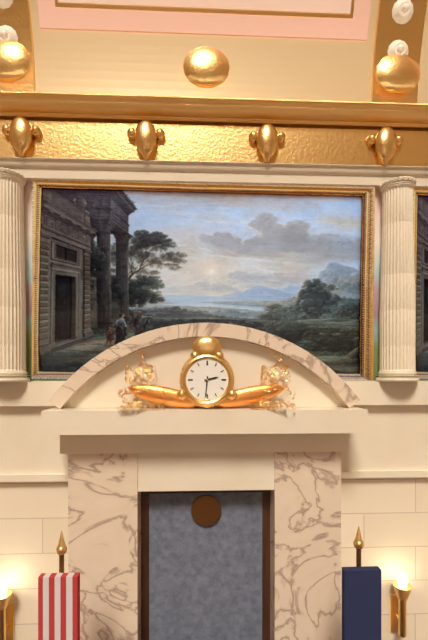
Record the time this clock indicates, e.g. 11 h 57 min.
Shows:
2 h 31 min
